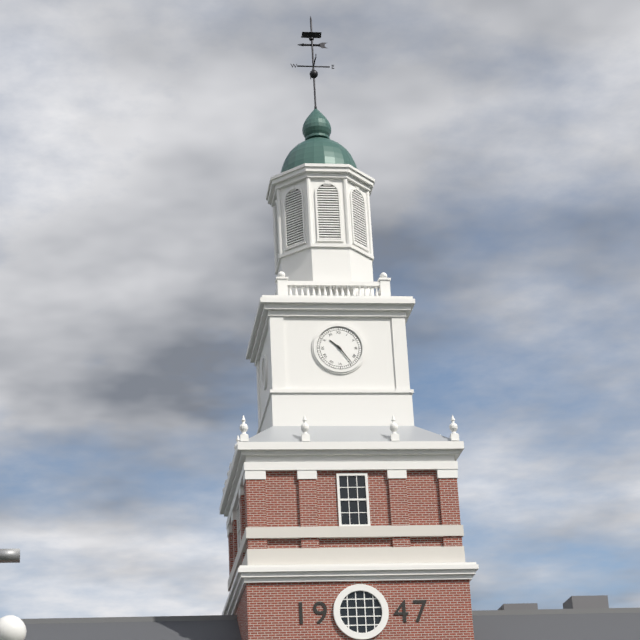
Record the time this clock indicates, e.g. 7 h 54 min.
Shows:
10 h 24 min
